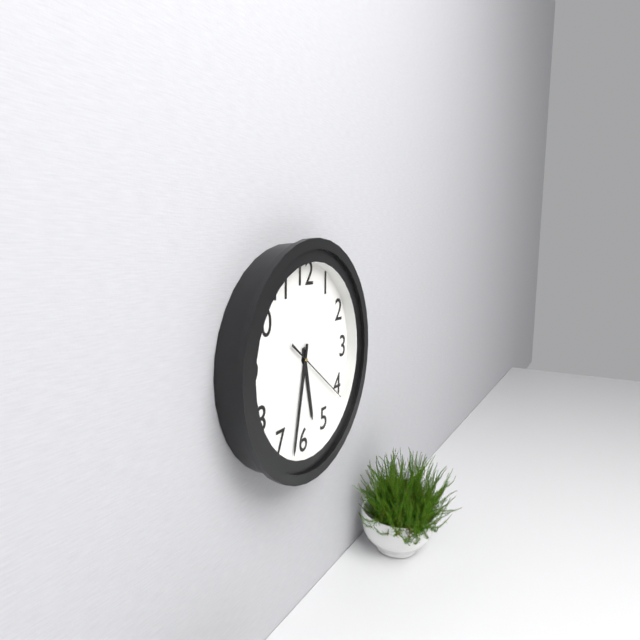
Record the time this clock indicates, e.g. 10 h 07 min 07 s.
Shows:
5 h 32 min 21 s
